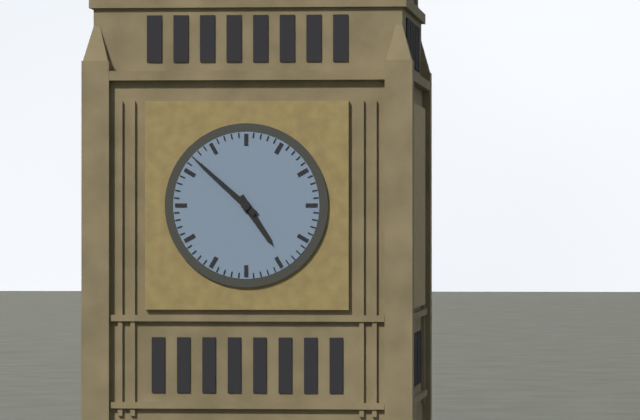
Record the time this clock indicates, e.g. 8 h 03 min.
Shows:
4 h 52 min
